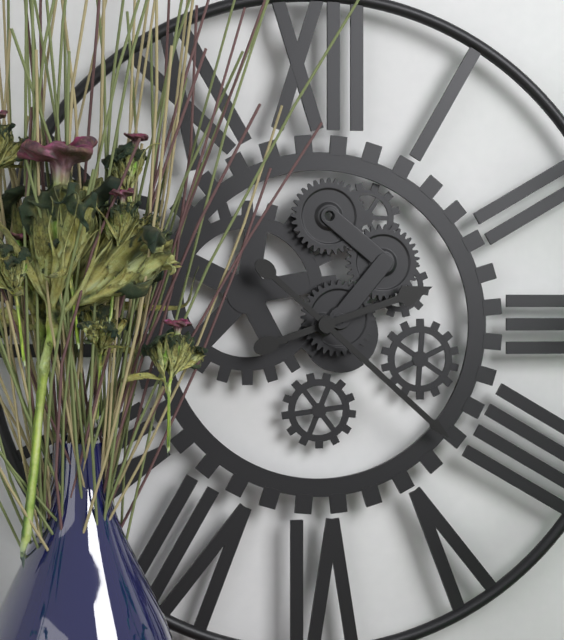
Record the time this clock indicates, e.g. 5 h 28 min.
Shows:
2 h 22 min
